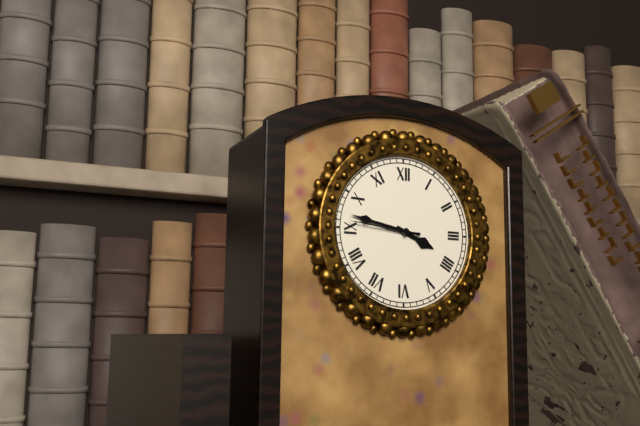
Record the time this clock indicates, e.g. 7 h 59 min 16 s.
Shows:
3 h 47 min 46 s
